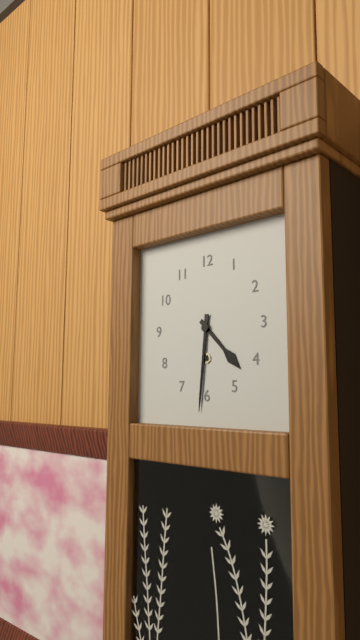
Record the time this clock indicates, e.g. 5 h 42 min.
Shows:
4 h 31 min
